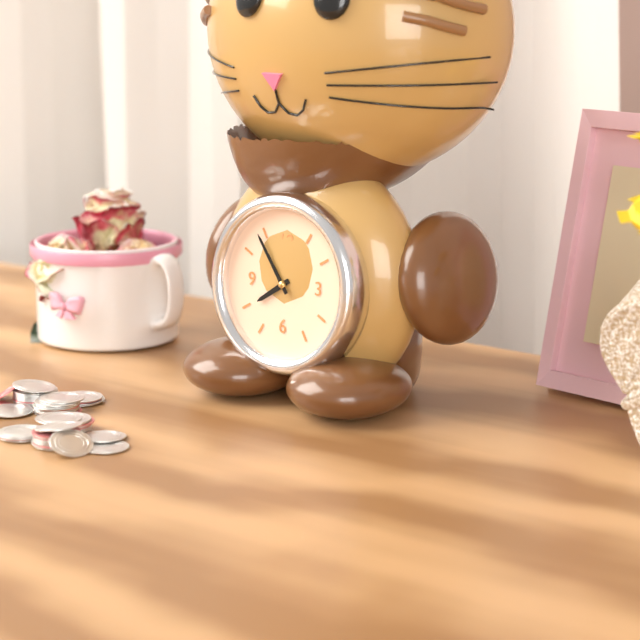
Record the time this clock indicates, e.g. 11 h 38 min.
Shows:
7 h 54 min
